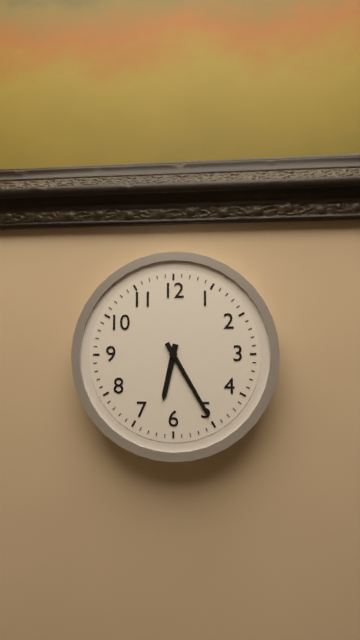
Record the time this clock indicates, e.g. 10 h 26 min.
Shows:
6 h 25 min
